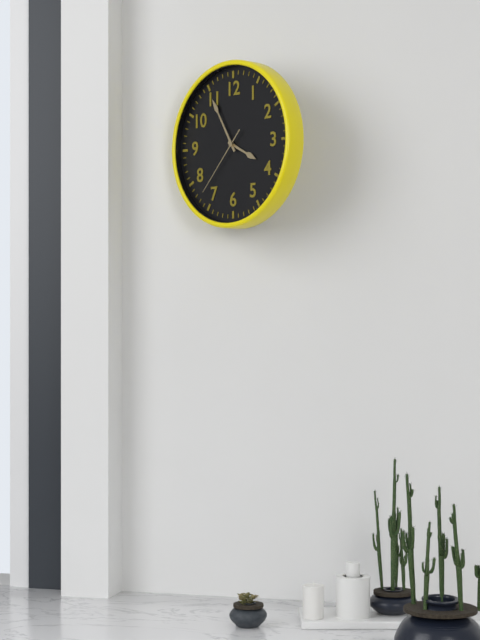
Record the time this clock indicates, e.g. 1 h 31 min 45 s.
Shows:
3 h 55 min 37 s
